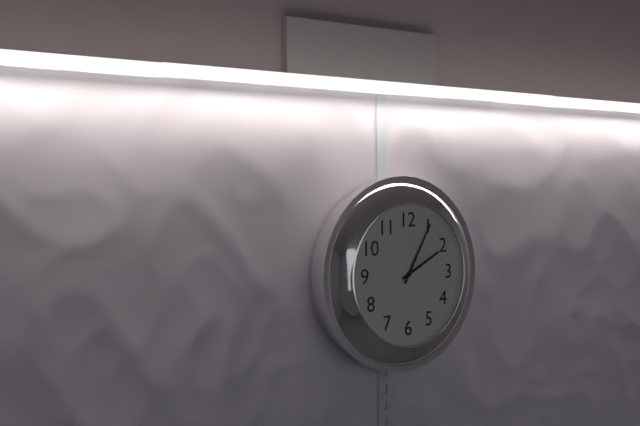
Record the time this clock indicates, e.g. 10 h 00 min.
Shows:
2 h 05 min
